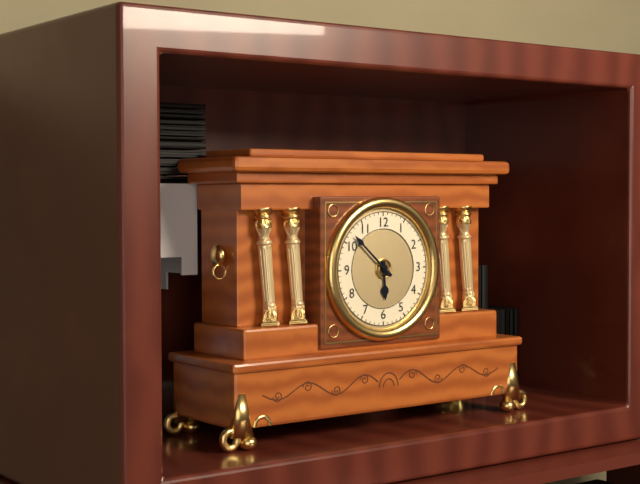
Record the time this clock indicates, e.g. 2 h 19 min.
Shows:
5 h 52 min
